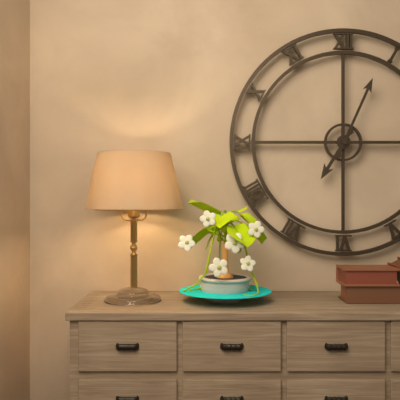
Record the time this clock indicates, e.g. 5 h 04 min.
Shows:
7 h 04 min
